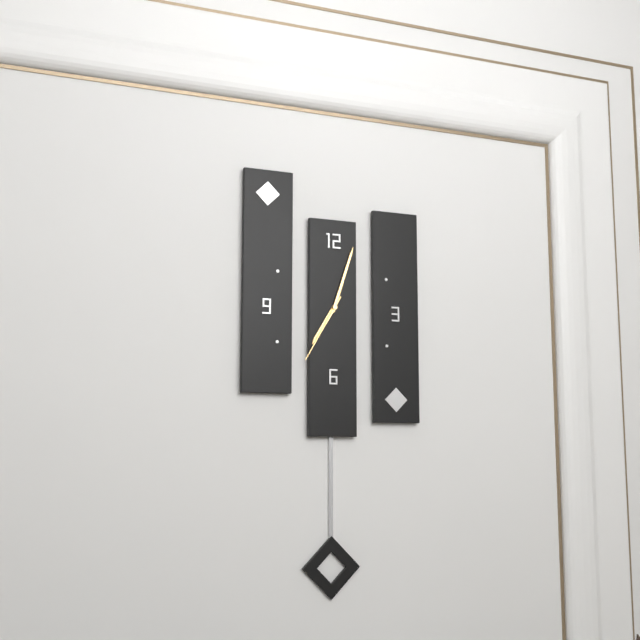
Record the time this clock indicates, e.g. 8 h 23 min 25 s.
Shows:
7 h 03 min 35 s
